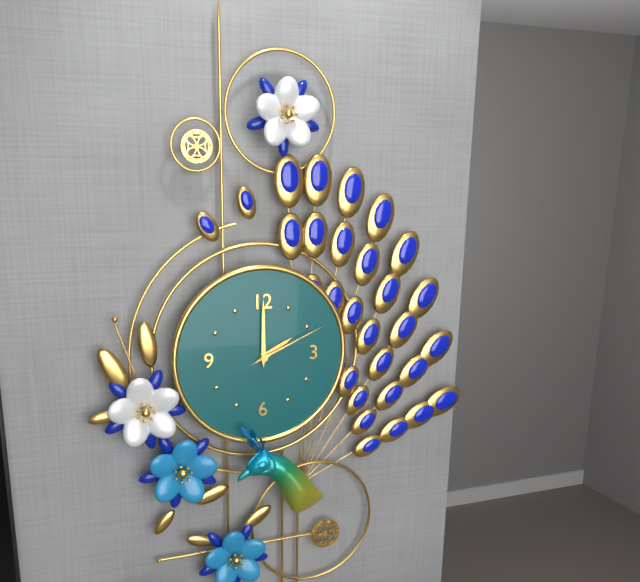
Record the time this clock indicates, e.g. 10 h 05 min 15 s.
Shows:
2 h 00 min 11 s
